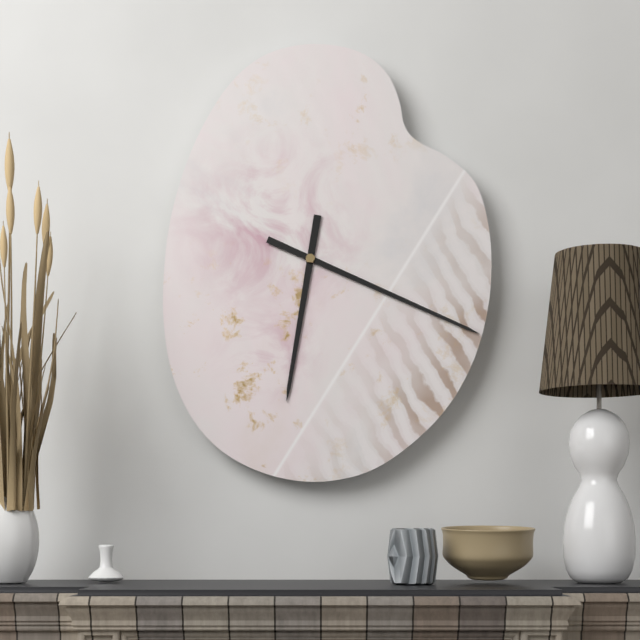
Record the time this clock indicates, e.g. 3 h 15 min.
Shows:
6 h 19 min
